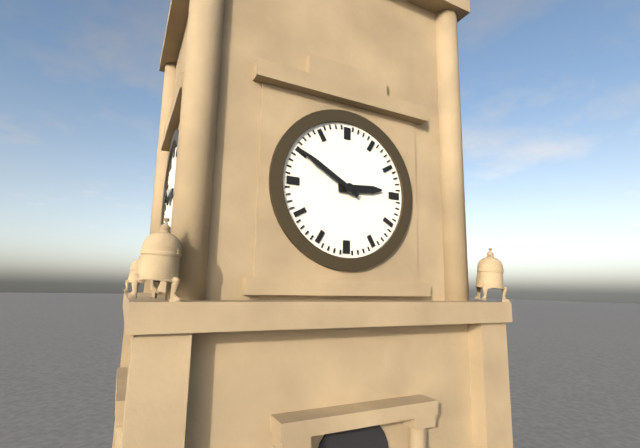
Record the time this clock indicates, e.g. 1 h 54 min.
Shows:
2 h 50 min
